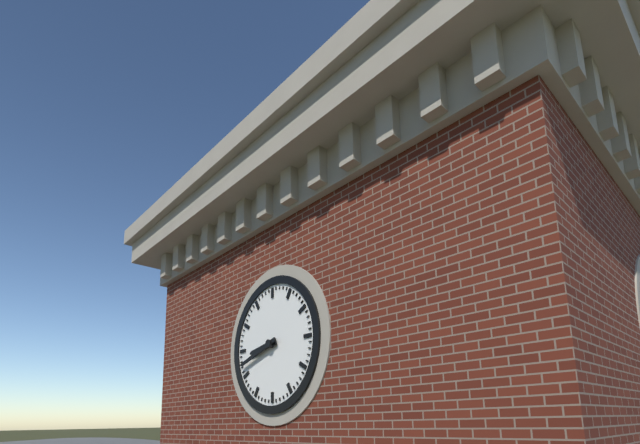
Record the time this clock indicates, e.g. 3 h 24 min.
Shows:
8 h 42 min
